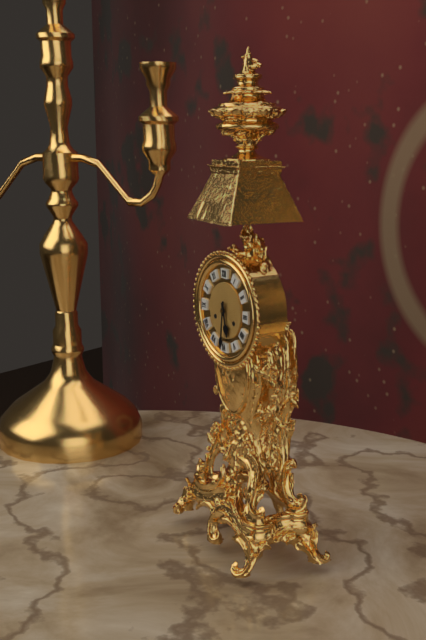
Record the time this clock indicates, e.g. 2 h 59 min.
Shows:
5 h 31 min
